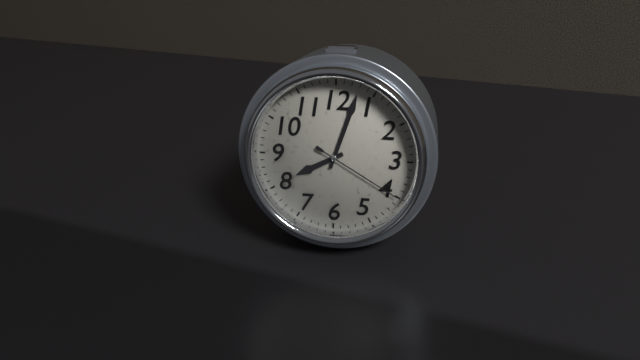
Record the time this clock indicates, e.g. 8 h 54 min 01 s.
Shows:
8 h 03 min 20 s
